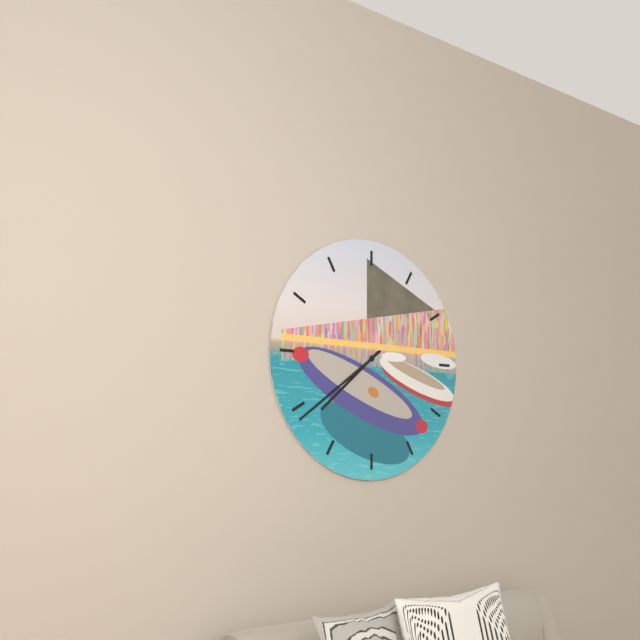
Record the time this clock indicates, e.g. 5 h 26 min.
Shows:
7 h 39 min
